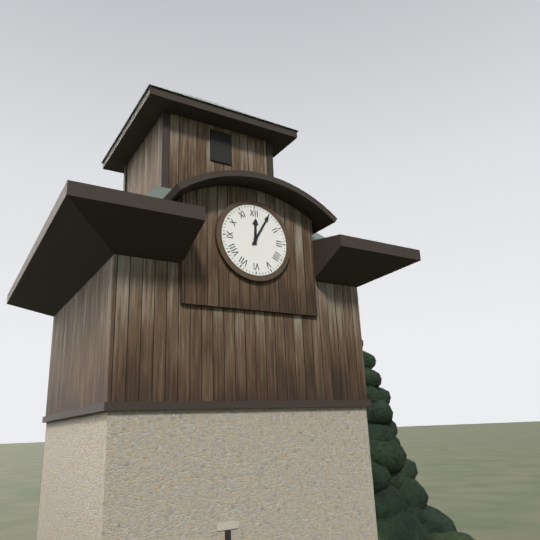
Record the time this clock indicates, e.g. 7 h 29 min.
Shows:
12 h 05 min
